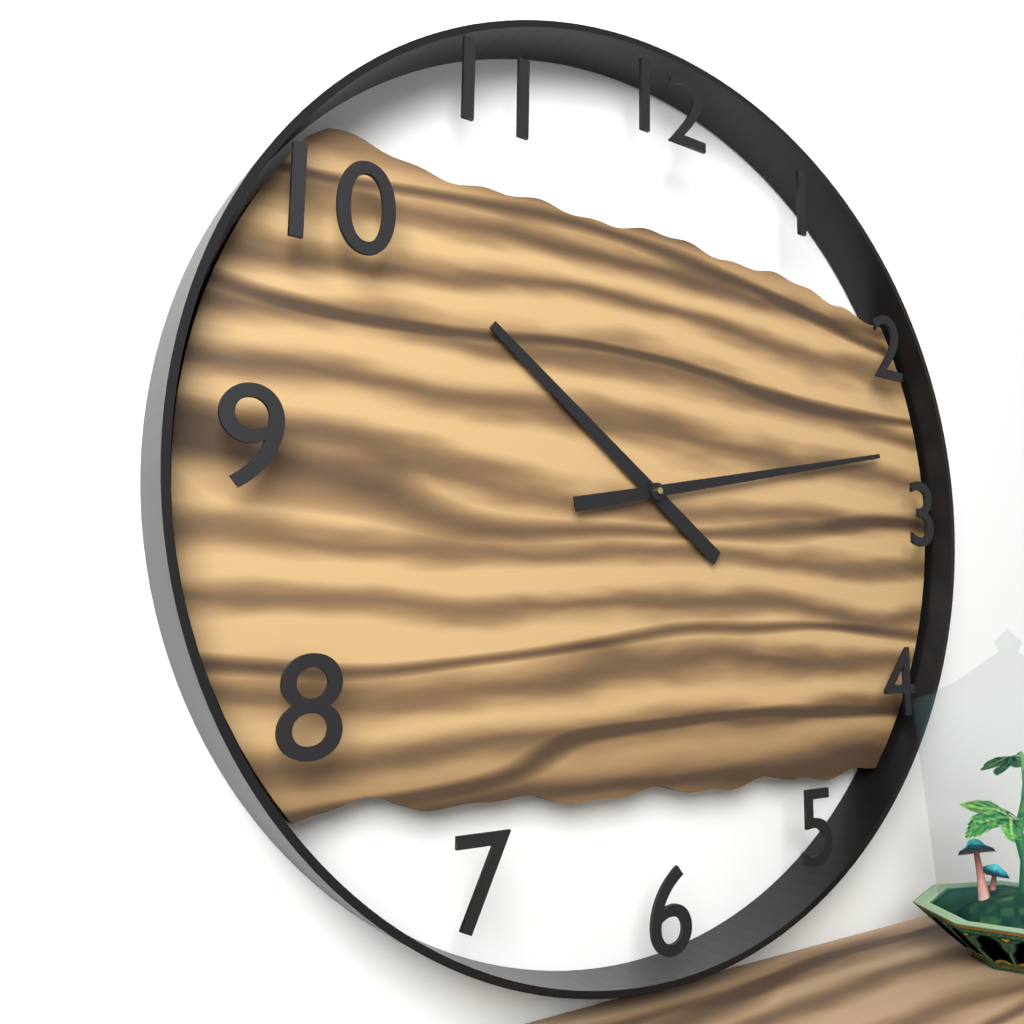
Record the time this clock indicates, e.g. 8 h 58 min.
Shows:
10 h 13 min
